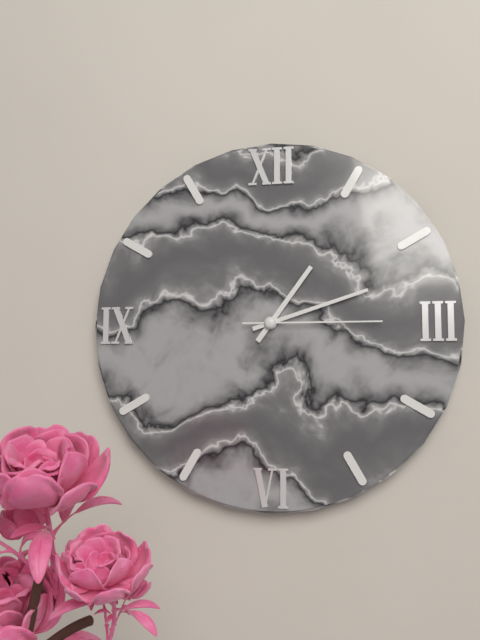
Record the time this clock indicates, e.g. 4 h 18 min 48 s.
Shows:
1 h 12 min 15 s
